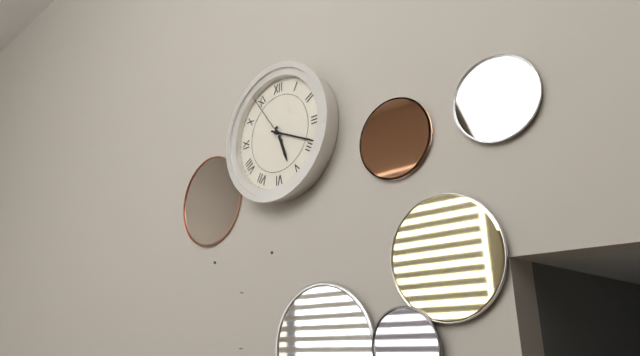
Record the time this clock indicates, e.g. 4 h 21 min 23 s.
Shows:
5 h 19 min 54 s
